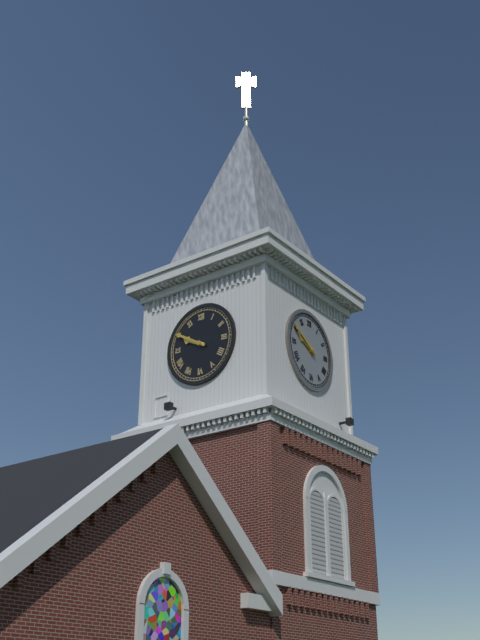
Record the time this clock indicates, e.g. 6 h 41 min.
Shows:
9 h 50 min
